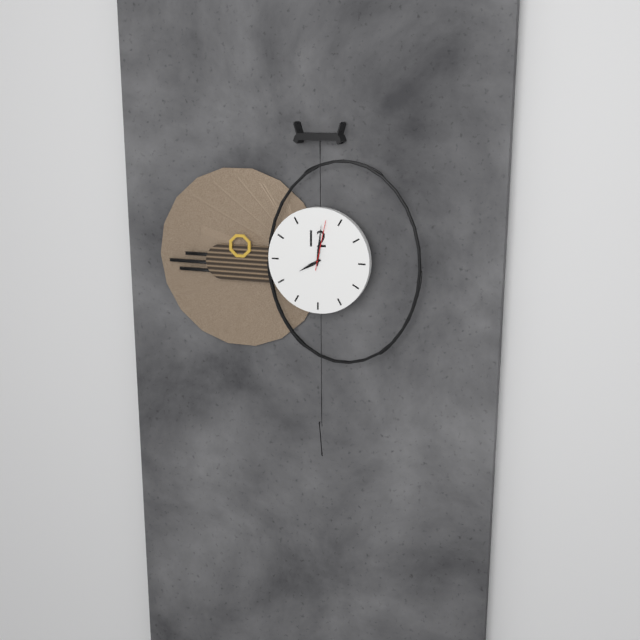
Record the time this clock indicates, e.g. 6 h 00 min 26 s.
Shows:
8 h 01 min 02 s
